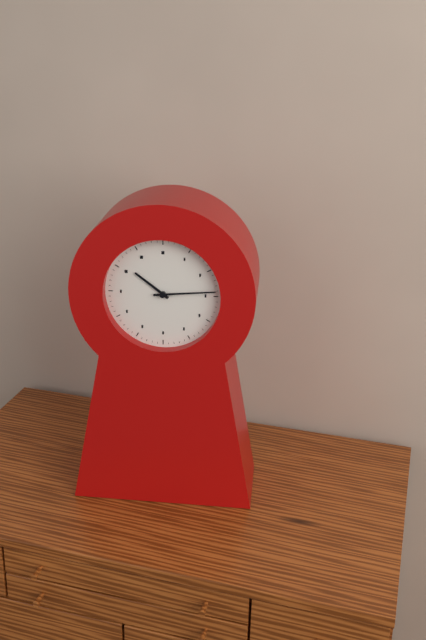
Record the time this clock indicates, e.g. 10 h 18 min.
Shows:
10 h 14 min
